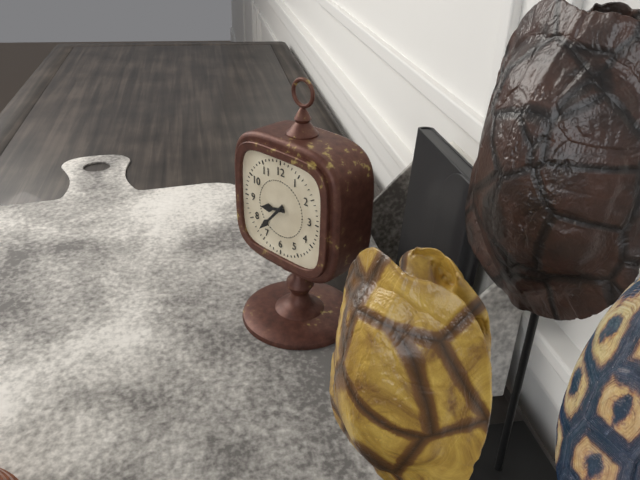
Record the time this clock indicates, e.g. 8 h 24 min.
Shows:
8 h 37 min
